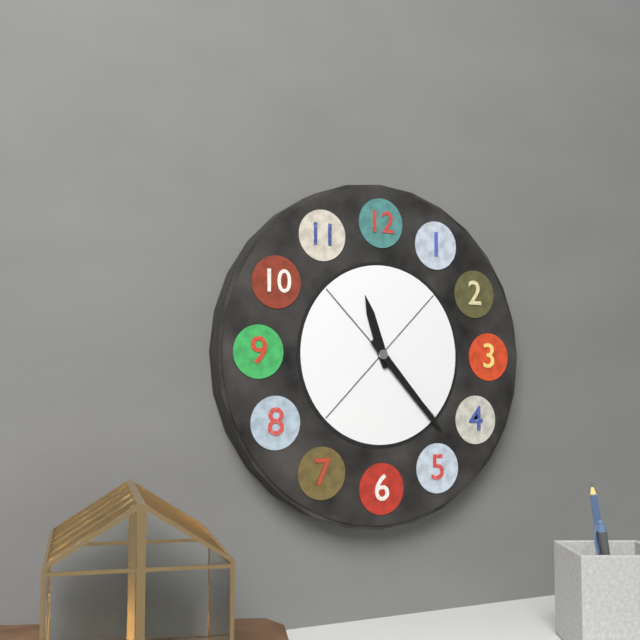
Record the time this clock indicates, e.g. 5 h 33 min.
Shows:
11 h 23 min
